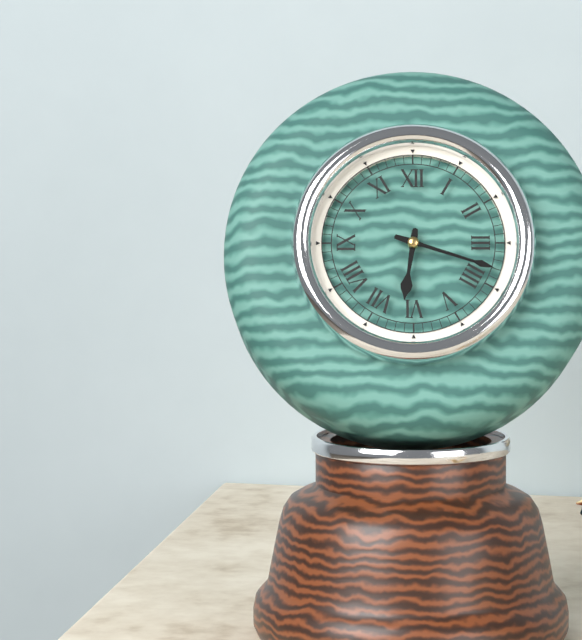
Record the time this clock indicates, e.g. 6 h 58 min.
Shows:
6 h 18 min
